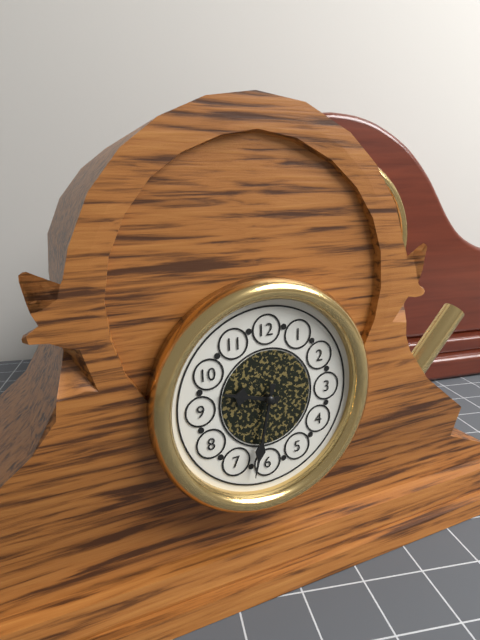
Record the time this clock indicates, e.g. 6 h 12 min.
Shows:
9 h 32 min
